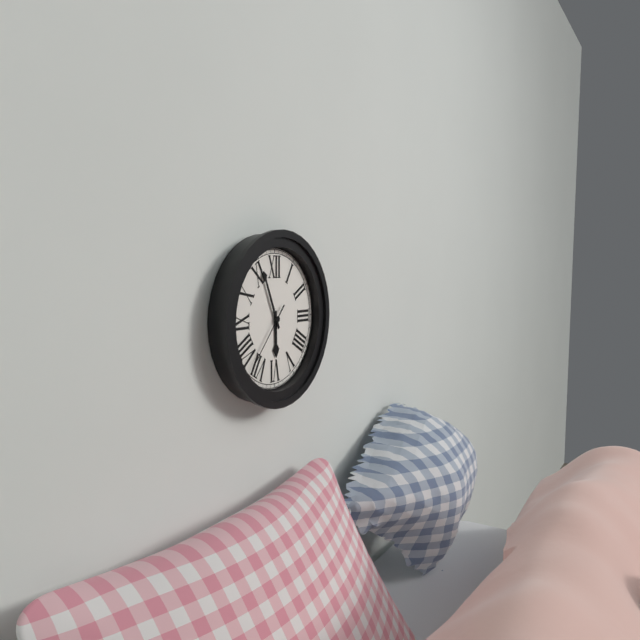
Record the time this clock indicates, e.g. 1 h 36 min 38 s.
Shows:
5 h 56 min 37 s
